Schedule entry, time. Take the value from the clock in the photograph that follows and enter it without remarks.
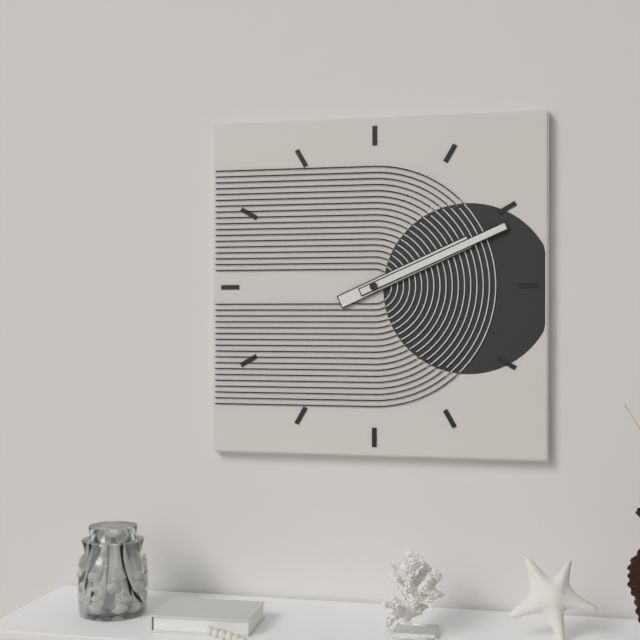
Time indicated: 2:11
